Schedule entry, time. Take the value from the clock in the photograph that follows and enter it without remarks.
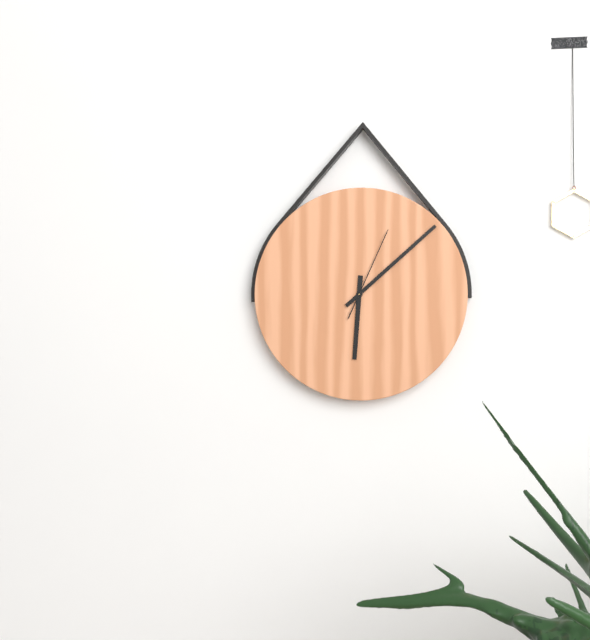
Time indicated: 6:08:04
